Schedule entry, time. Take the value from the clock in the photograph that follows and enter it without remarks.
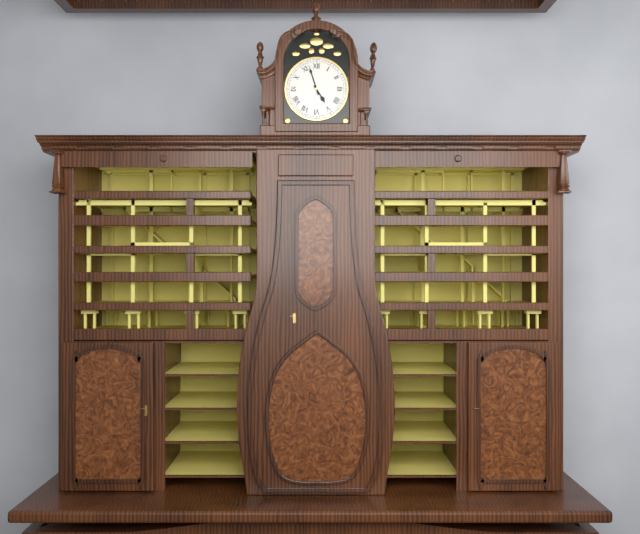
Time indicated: 4:57
